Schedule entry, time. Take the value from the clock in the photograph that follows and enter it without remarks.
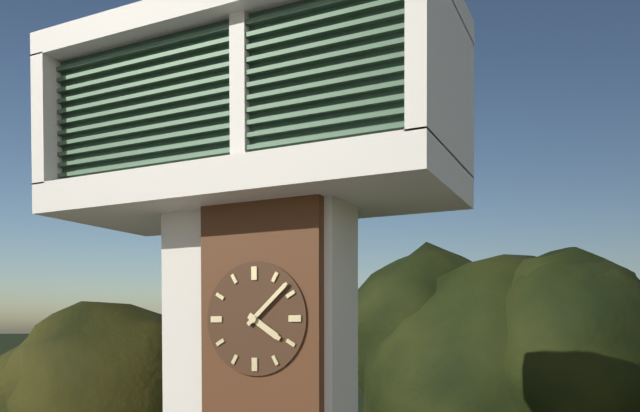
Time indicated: 4:08
